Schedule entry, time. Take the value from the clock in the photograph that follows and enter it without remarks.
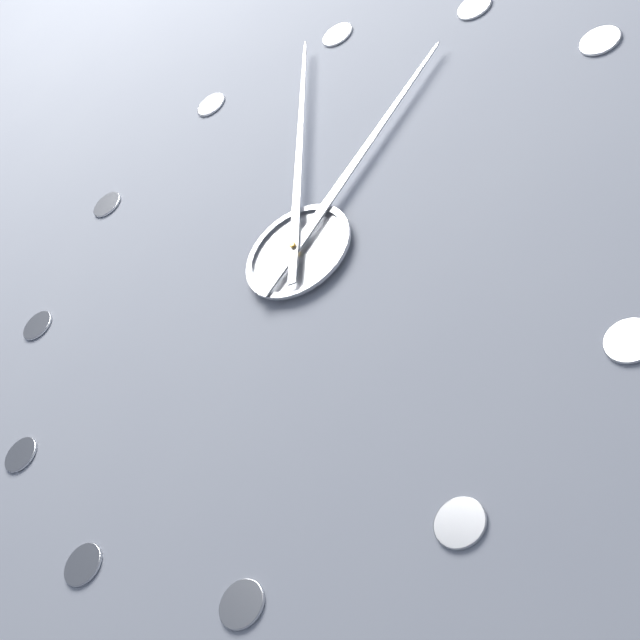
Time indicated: 12:59
